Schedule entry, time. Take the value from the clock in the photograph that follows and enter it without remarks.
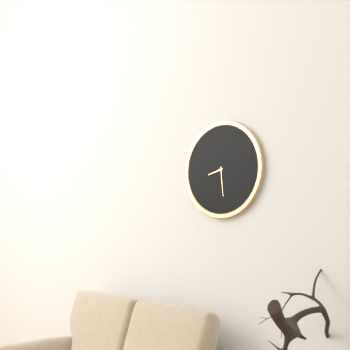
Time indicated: 8:29
